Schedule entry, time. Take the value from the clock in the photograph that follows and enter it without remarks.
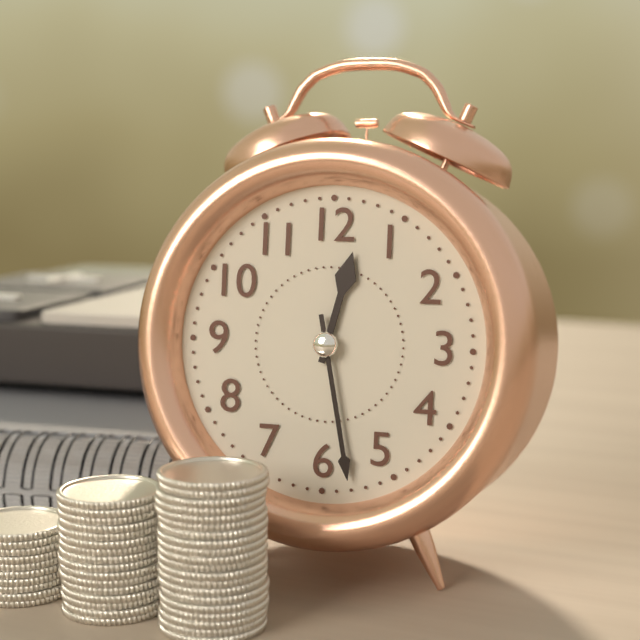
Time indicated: 12:28
